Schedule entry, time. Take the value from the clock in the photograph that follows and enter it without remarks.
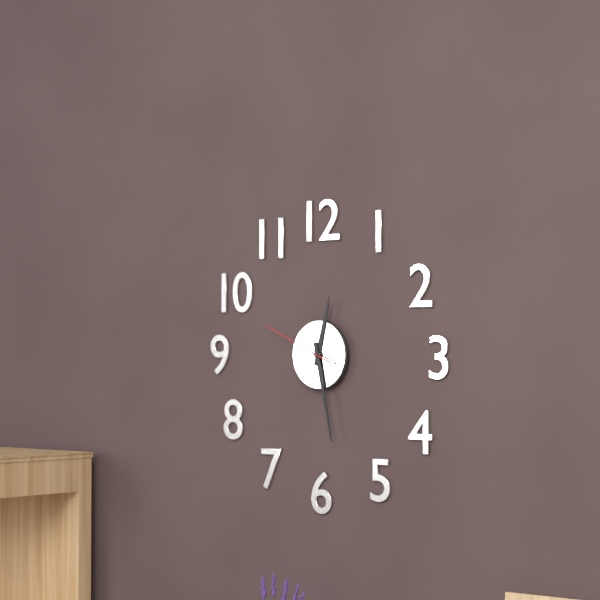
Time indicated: 12:28:49
